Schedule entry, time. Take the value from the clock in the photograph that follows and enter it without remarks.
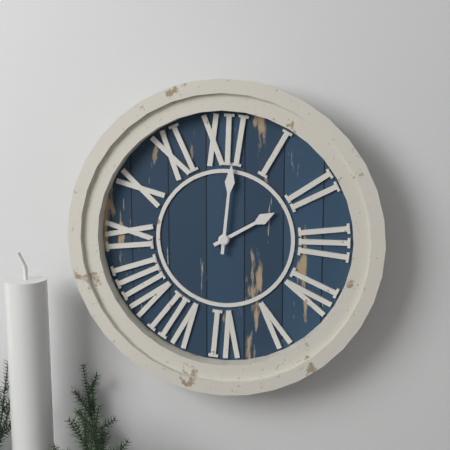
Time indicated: 2:01
